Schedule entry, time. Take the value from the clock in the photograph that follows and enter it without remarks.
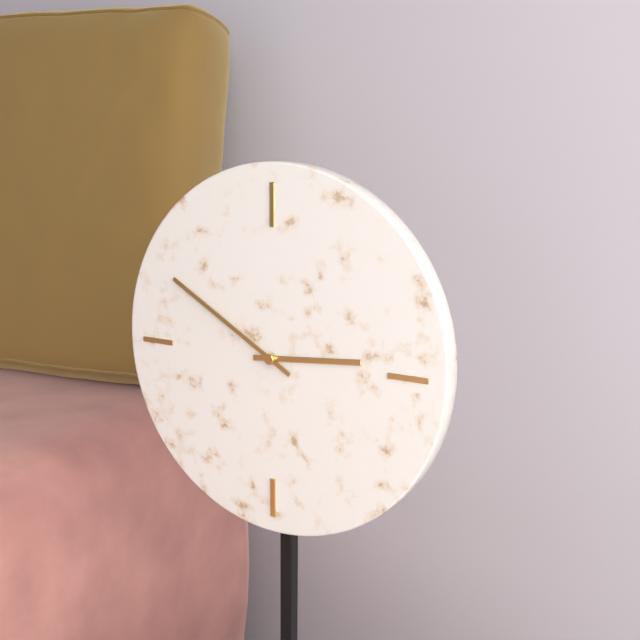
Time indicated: 2:50
